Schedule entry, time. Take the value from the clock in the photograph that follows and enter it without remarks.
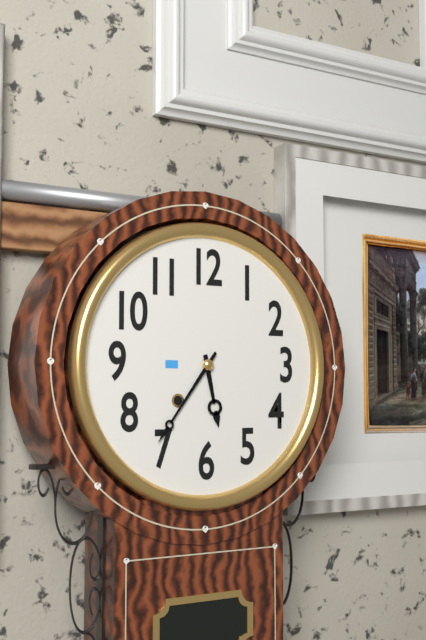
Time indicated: 5:36
